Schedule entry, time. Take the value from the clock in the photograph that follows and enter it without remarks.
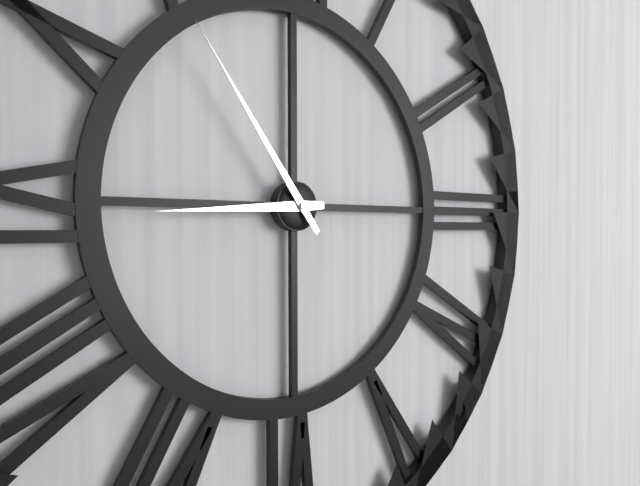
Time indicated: 8:54
